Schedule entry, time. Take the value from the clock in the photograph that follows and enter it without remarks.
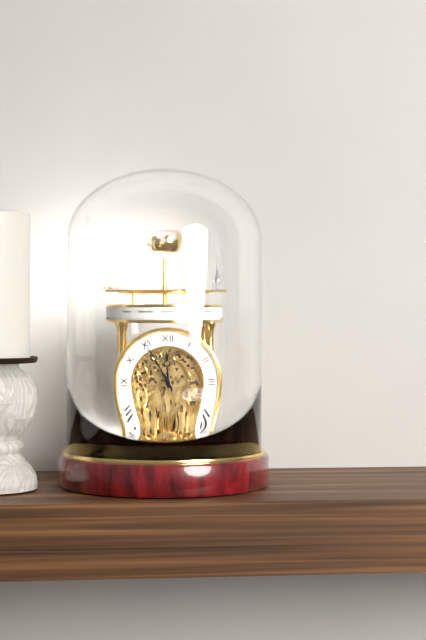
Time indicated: 11:55
